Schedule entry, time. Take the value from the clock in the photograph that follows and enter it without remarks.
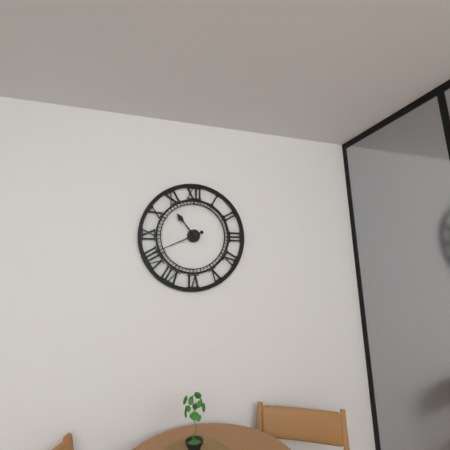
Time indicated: 10:41
